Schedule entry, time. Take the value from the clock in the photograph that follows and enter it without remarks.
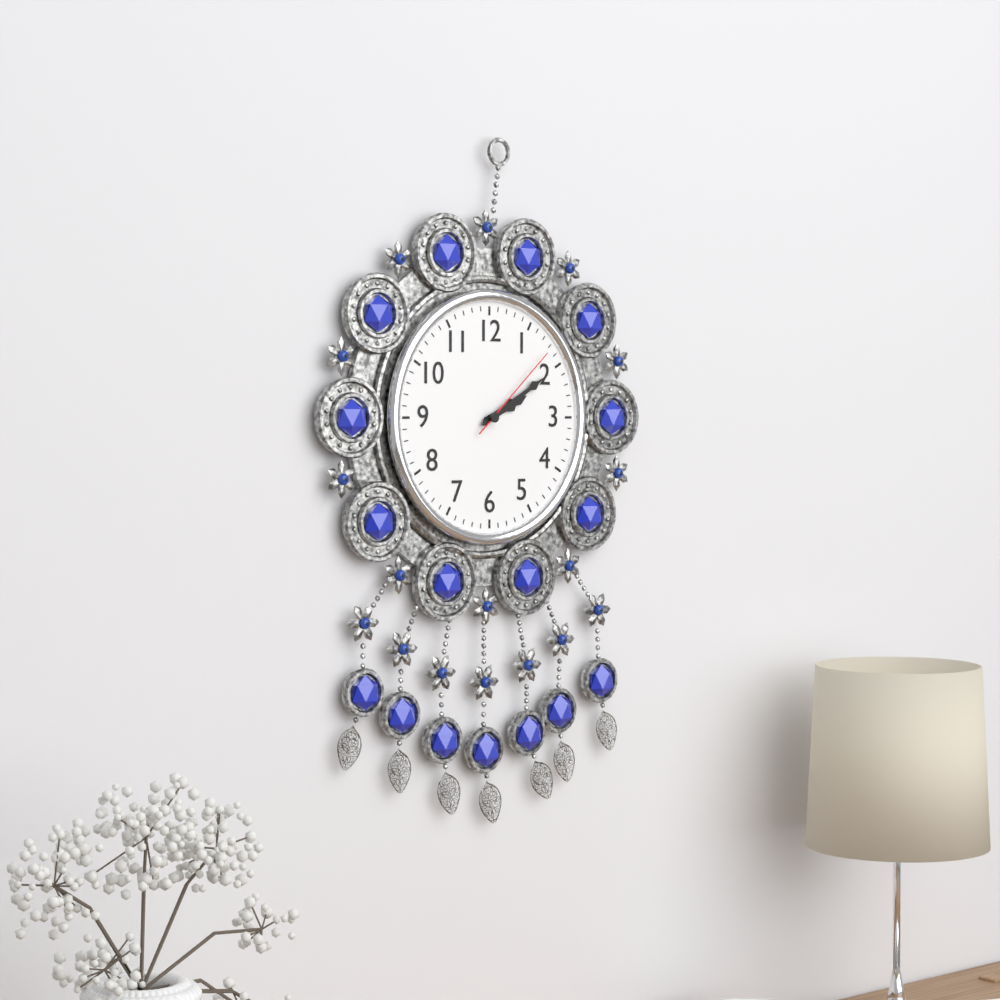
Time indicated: 2:10:08
